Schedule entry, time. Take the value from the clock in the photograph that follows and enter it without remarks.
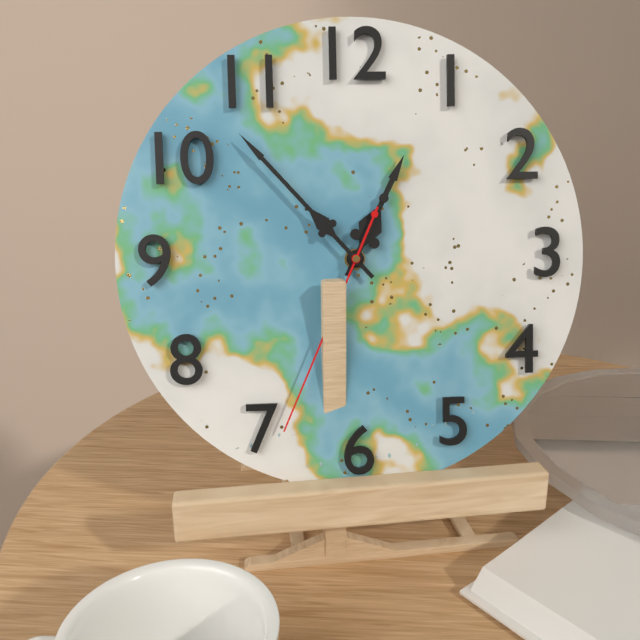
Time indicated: 12:53:34
